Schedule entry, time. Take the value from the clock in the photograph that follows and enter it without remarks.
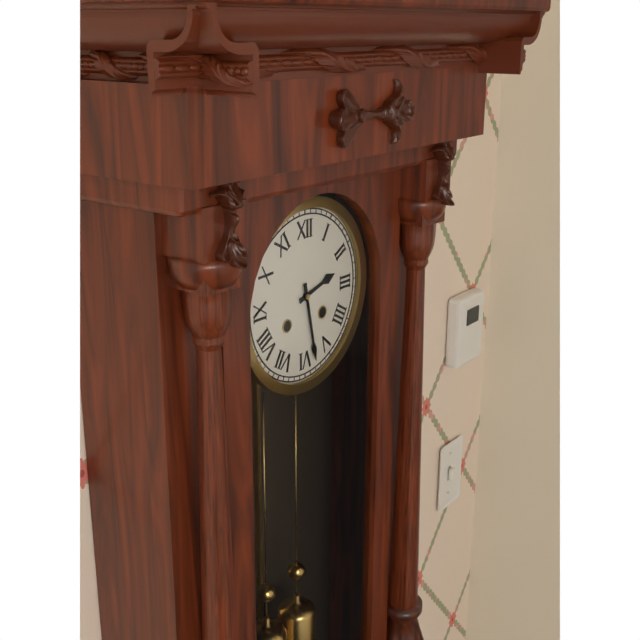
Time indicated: 2:28
